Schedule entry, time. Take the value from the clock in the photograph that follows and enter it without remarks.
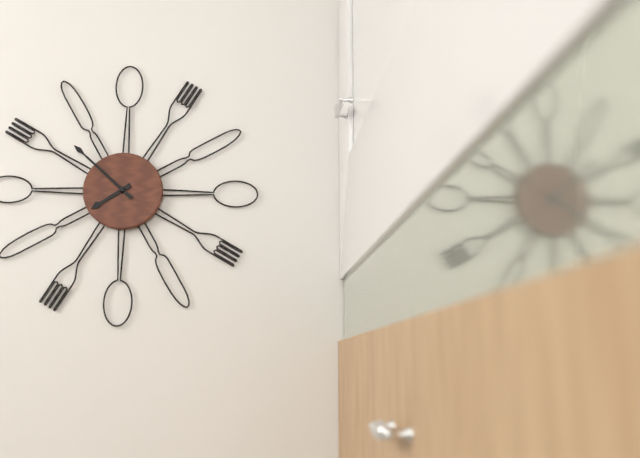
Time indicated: 7:52
